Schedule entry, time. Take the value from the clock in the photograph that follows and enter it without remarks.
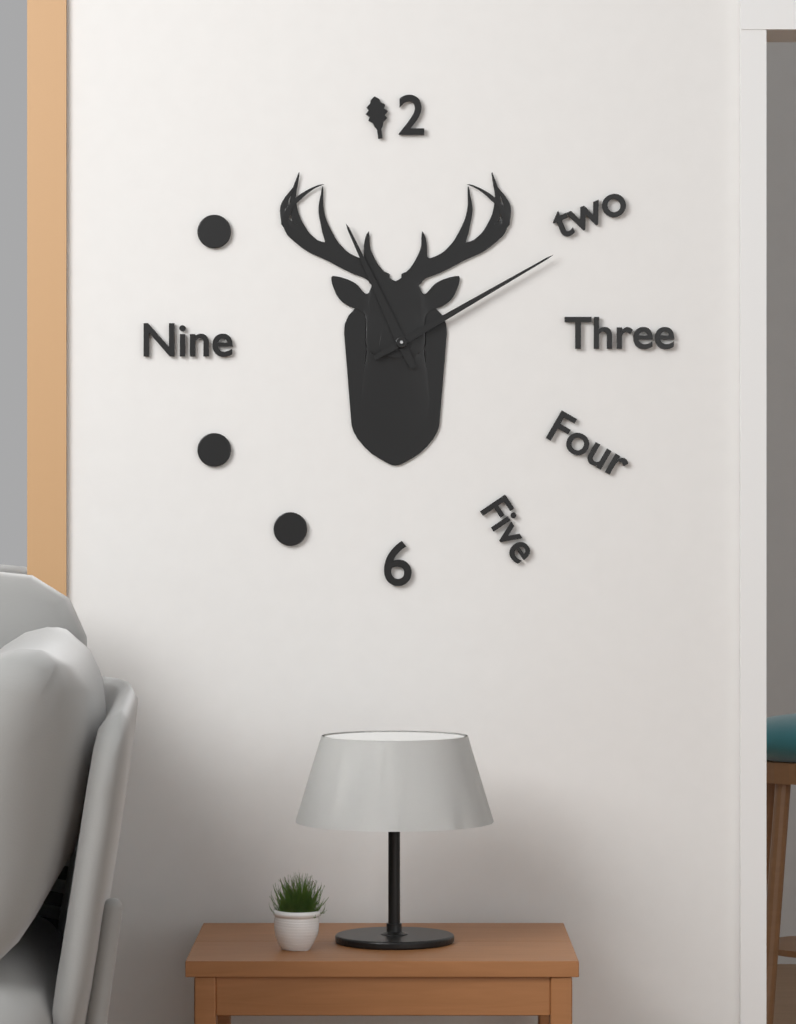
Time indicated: 11:10
